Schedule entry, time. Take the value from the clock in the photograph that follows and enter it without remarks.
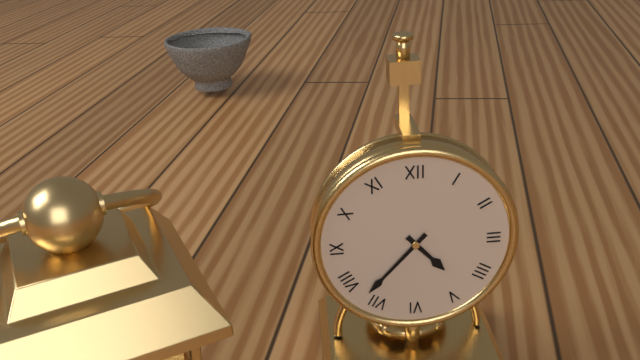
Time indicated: 4:37
